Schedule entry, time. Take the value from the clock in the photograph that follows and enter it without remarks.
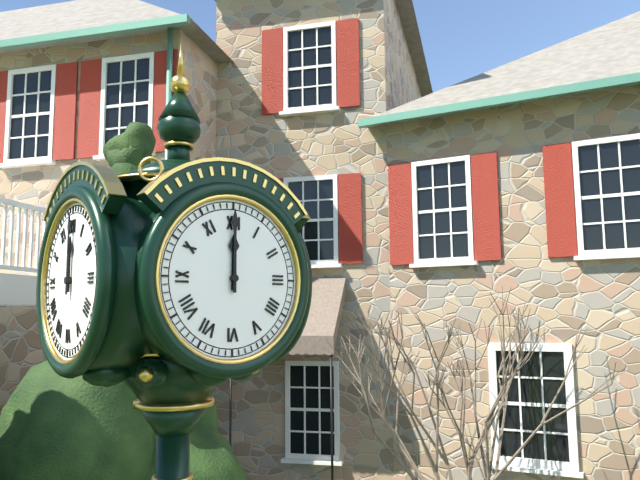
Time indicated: 12:00
